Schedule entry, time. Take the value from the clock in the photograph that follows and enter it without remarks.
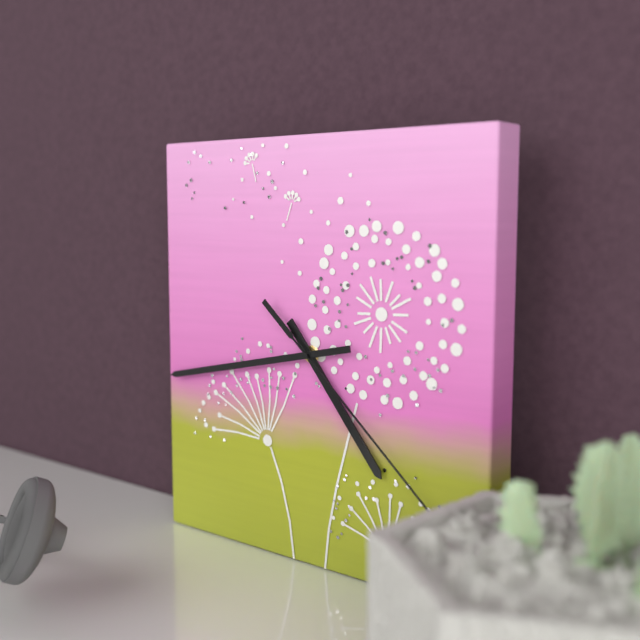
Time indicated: 4:43:22
